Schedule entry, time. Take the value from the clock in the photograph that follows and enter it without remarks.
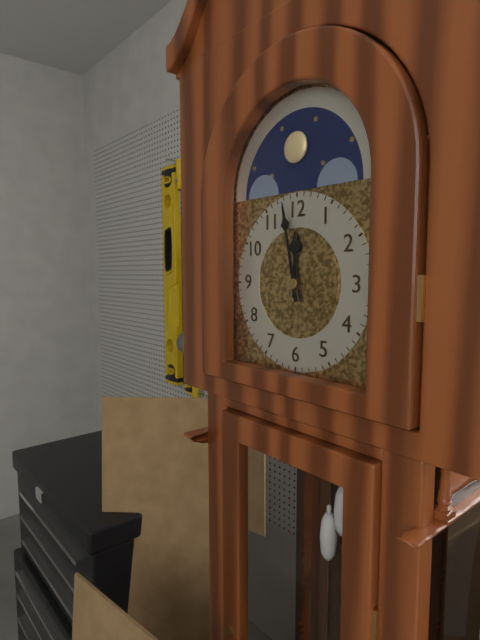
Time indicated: 11:58
